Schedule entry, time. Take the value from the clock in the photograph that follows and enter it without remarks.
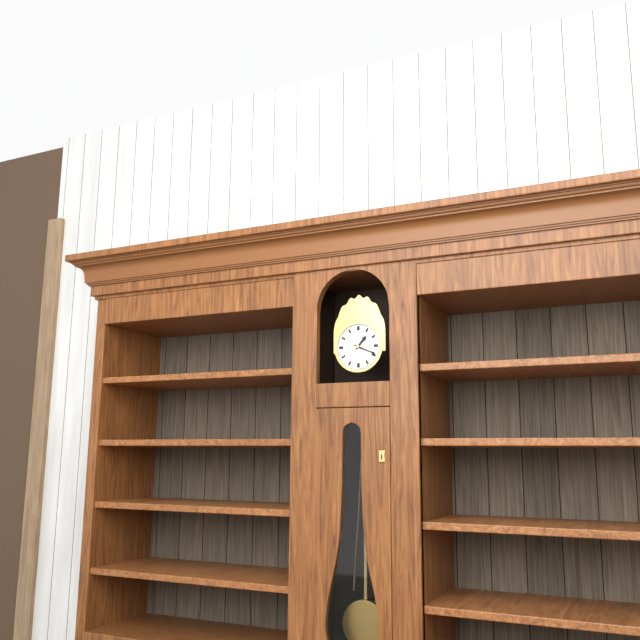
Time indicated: 1:19
